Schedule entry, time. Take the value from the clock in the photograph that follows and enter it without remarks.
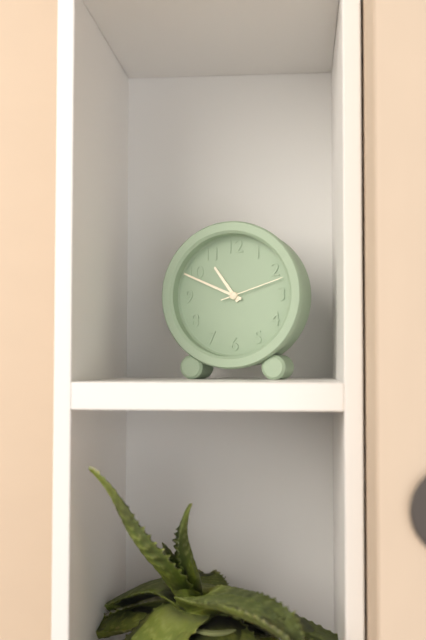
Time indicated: 10:49:12
